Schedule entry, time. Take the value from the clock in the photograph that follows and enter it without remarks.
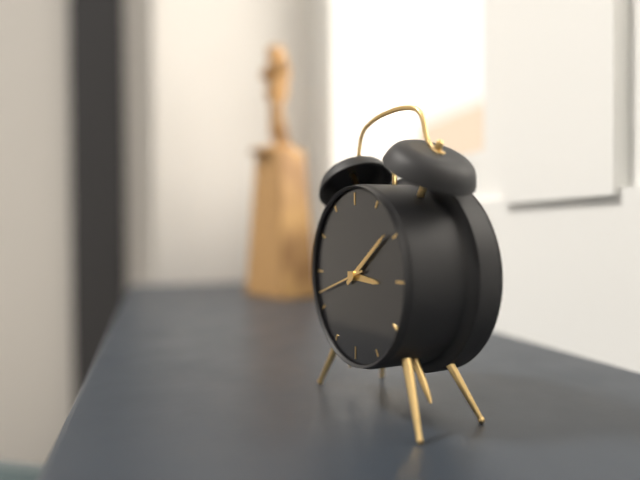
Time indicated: 3:09
